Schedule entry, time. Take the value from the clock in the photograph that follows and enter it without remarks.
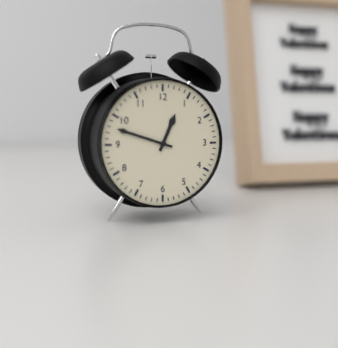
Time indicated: 12:48
